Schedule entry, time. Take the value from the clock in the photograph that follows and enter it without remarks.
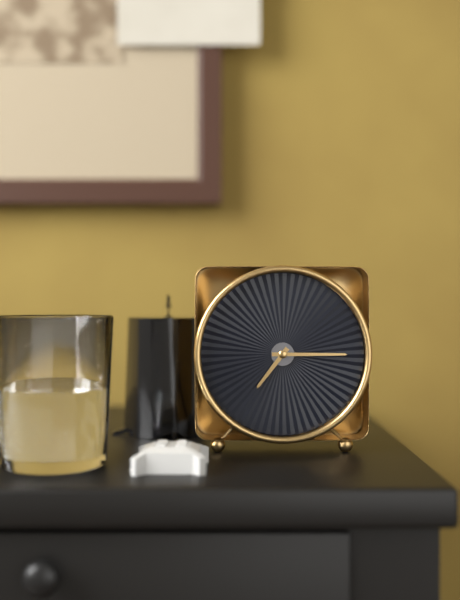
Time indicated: 7:15
